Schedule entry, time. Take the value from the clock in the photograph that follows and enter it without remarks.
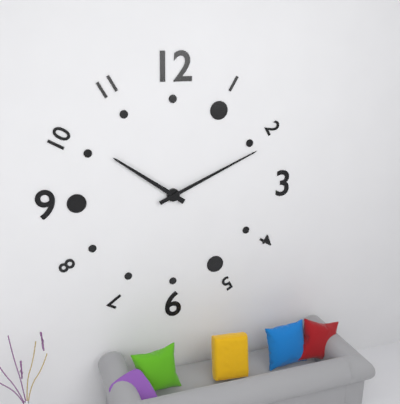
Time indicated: 10:11
